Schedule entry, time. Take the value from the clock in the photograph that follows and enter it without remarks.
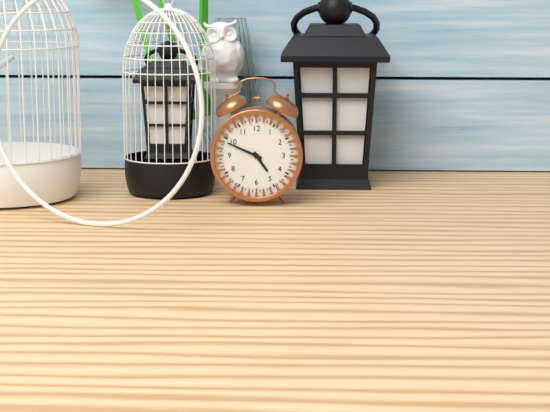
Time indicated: 4:49
